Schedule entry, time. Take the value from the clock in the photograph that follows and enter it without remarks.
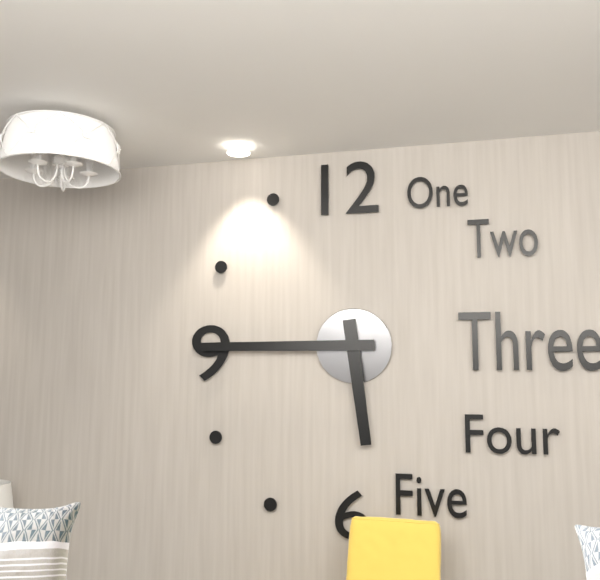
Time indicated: 5:45
